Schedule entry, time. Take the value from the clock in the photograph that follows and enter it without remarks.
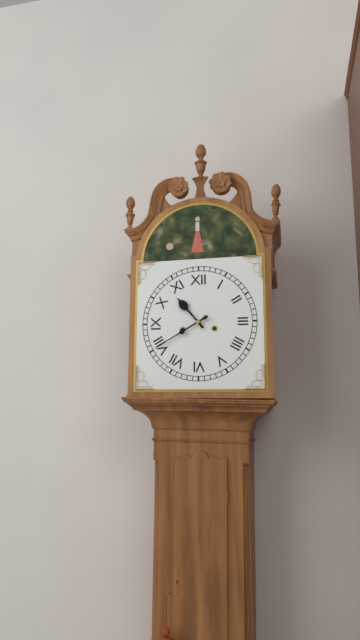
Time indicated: 10:40
